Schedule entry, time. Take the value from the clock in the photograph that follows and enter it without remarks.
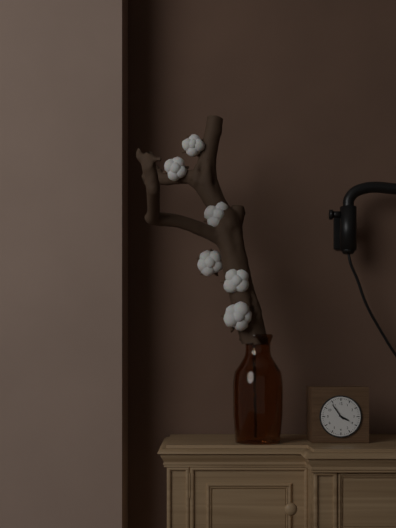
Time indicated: 3:54
